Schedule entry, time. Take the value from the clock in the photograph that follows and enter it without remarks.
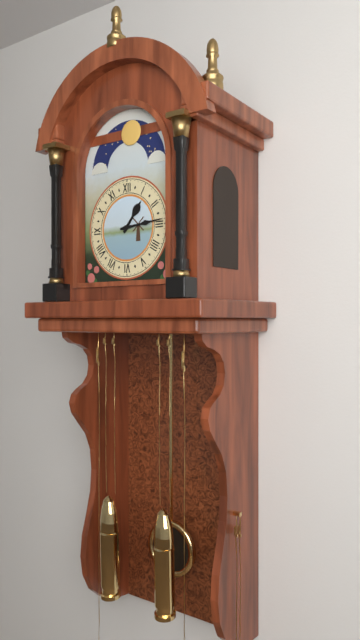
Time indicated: 1:14
